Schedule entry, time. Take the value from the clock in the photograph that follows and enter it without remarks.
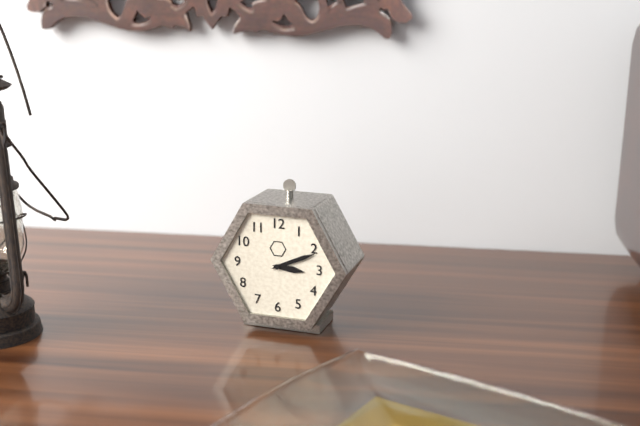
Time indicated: 3:11
